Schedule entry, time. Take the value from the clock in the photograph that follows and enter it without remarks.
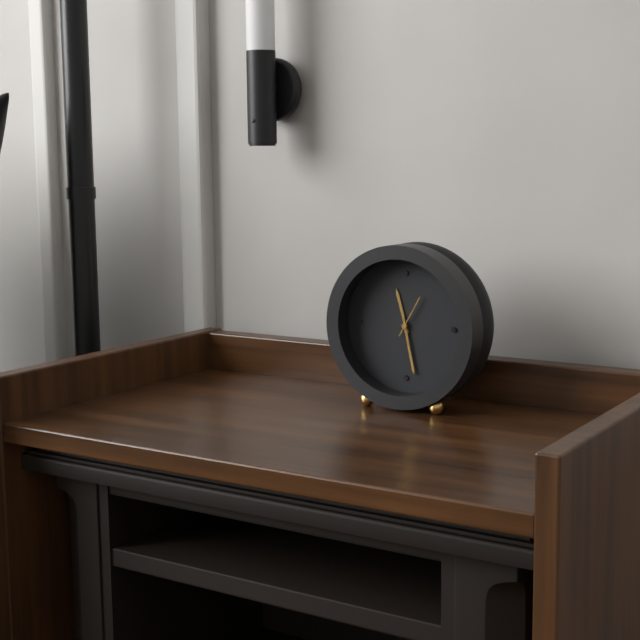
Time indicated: 11:28
